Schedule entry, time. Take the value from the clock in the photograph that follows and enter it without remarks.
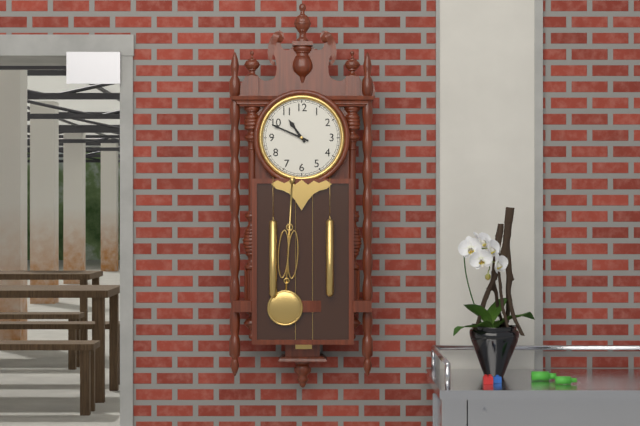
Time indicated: 10:49
